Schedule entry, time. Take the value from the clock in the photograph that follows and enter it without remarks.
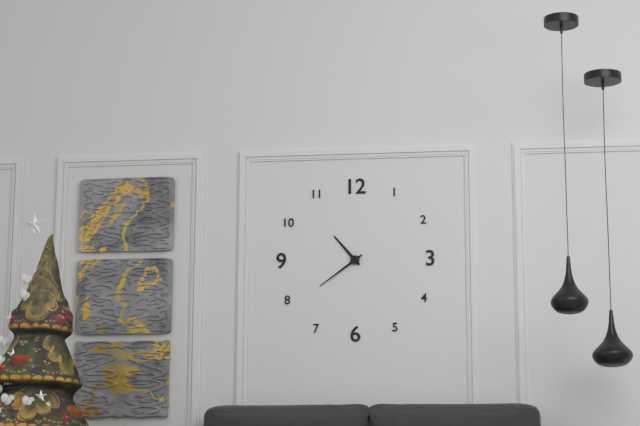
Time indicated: 10:39
